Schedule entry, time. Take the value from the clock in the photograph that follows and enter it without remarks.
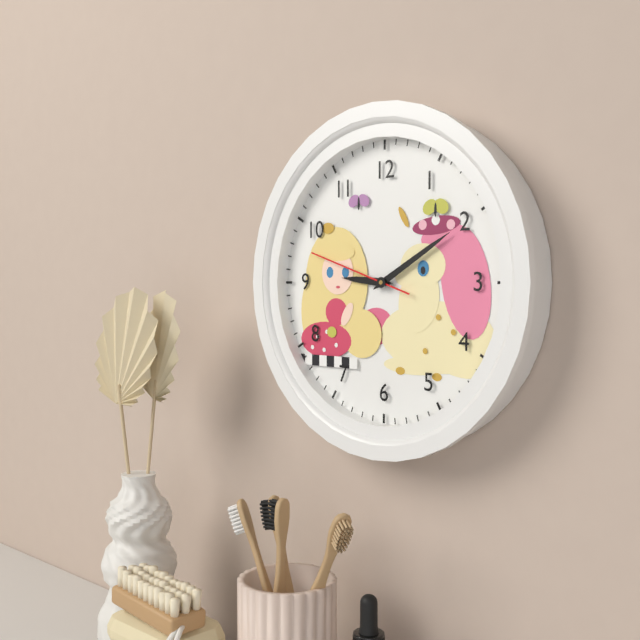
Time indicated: 9:10:48
